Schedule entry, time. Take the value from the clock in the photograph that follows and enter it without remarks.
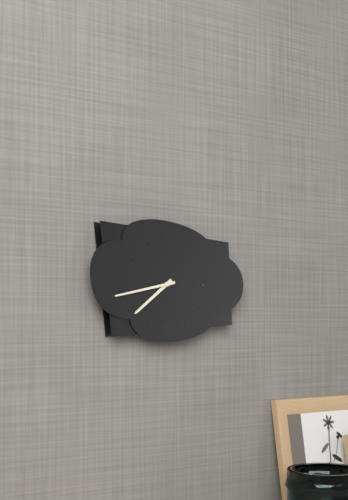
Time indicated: 7:43
